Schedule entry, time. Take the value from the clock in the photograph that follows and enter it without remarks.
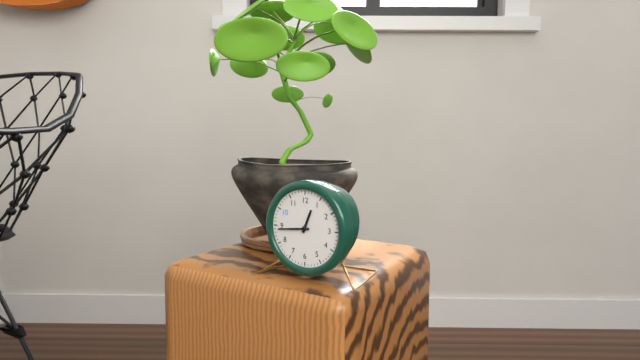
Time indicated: 12:44
